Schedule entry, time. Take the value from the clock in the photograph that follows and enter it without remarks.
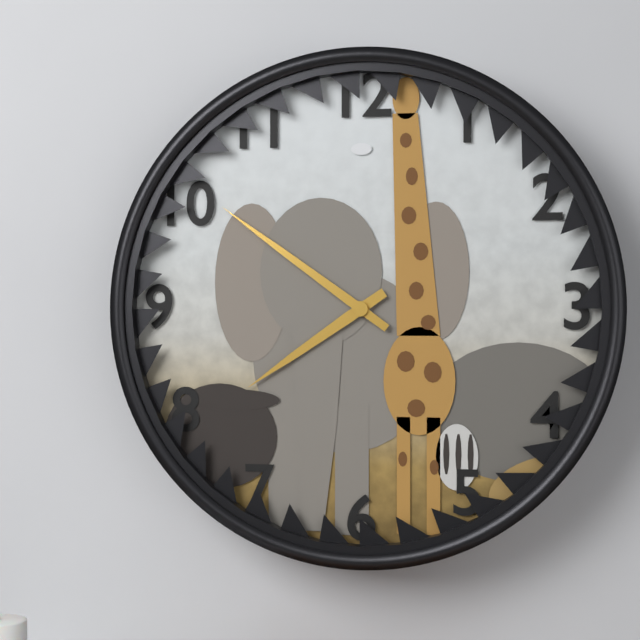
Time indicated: 7:51
